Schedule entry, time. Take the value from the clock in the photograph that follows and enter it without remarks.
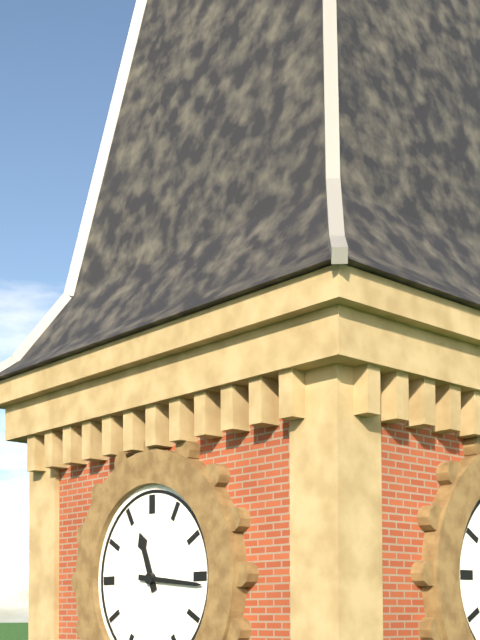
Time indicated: 11:16
